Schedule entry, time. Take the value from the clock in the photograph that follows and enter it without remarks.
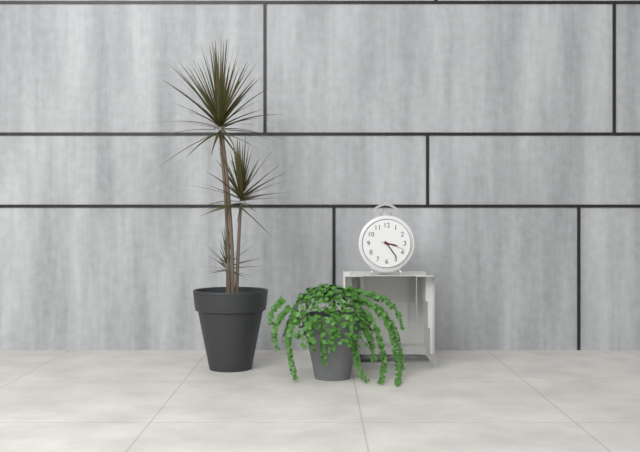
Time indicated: 3:24
